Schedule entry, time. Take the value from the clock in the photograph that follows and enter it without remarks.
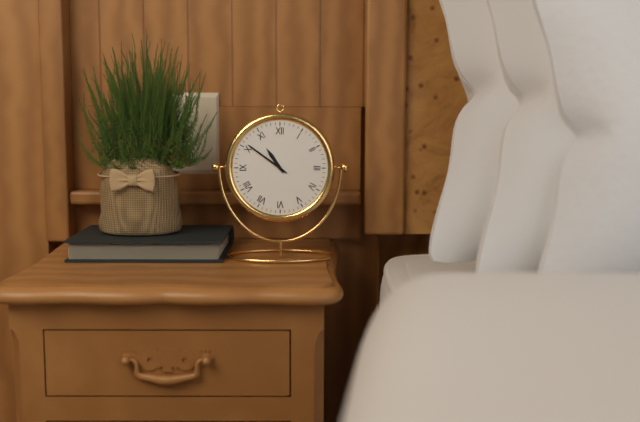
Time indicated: 10:51
